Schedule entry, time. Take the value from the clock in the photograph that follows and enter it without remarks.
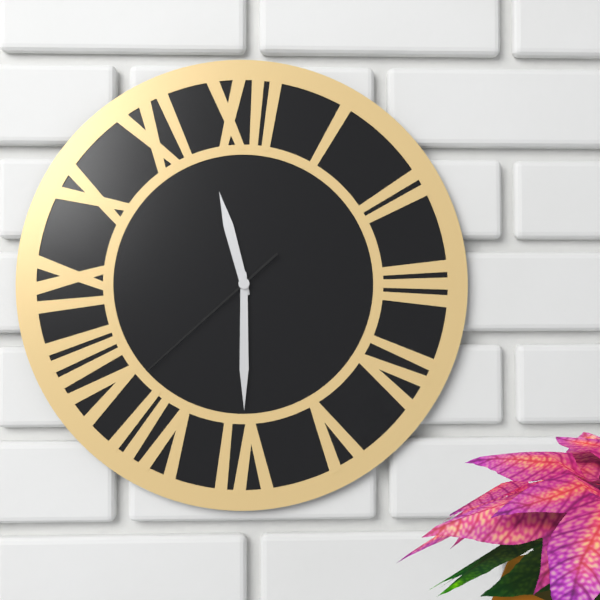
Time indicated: 11:30:38
